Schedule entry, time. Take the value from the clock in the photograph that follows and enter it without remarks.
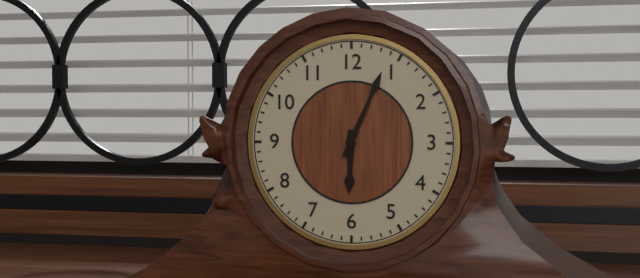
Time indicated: 6:04
